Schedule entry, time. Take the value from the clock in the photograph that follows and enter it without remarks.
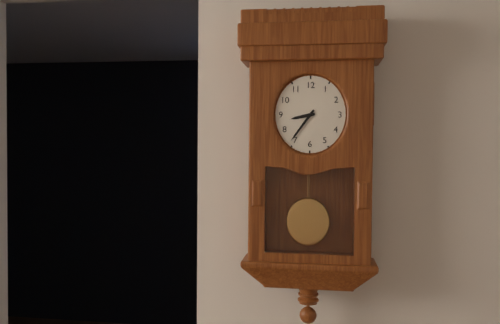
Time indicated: 8:36
